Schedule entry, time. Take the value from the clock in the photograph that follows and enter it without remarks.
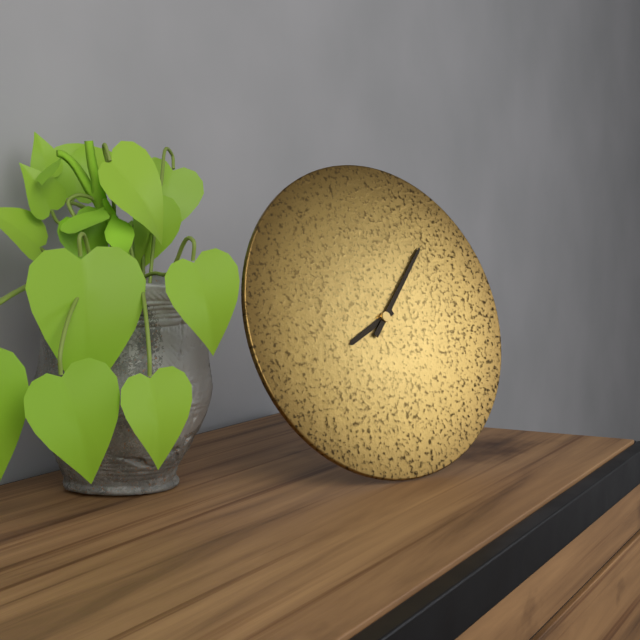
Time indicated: 8:07
